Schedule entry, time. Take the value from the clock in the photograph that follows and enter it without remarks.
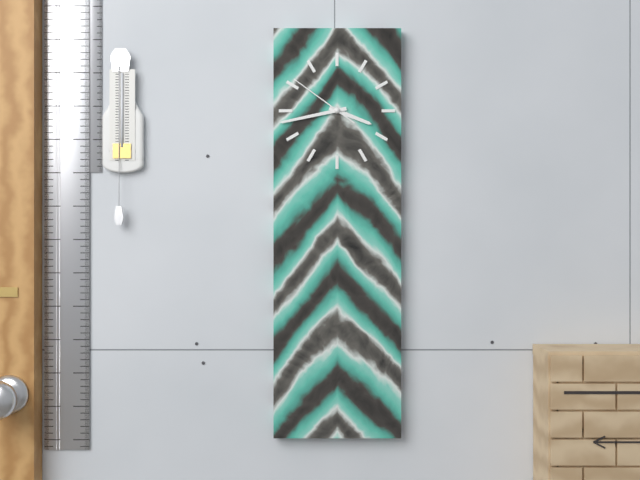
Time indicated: 3:43:51
